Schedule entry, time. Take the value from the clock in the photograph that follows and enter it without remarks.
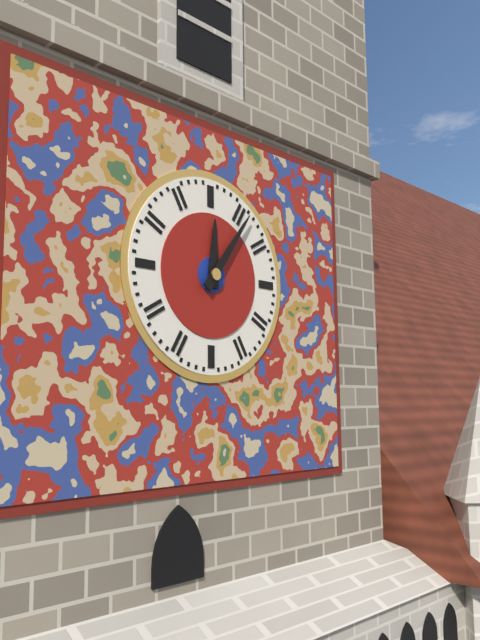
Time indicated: 12:06
